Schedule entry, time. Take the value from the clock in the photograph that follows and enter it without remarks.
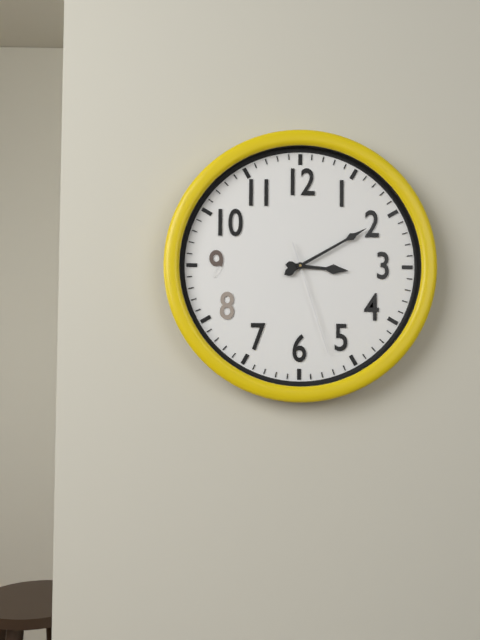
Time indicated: 3:10:27
